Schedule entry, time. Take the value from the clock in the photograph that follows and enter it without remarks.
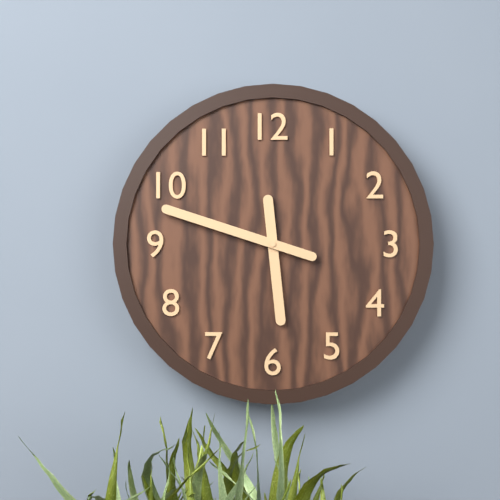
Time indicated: 5:48
